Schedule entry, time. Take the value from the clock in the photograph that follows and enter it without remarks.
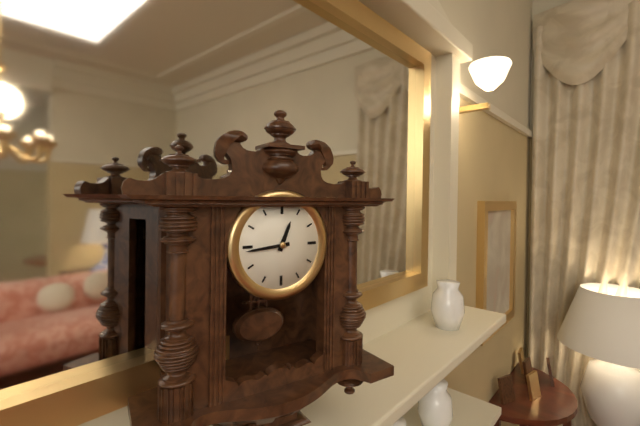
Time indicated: 12:44
